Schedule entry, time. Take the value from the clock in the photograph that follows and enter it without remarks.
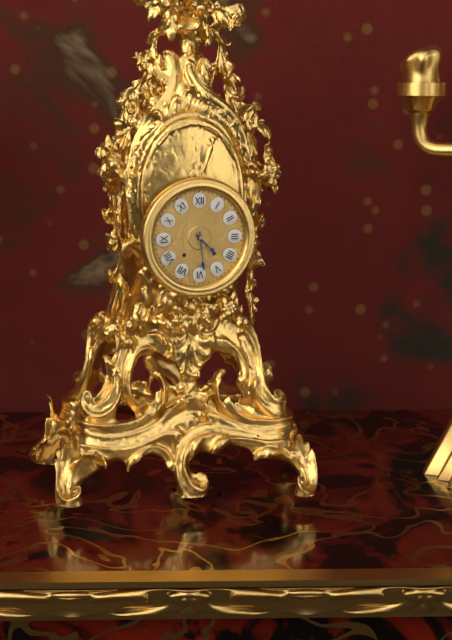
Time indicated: 4:29
